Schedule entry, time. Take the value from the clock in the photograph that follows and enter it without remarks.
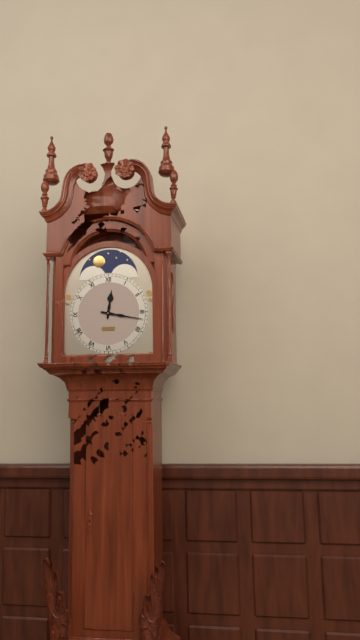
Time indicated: 12:17
